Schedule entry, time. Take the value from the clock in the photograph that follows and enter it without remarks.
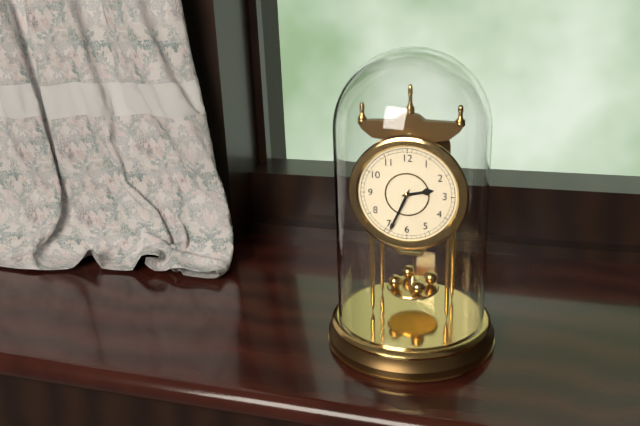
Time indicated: 2:34
